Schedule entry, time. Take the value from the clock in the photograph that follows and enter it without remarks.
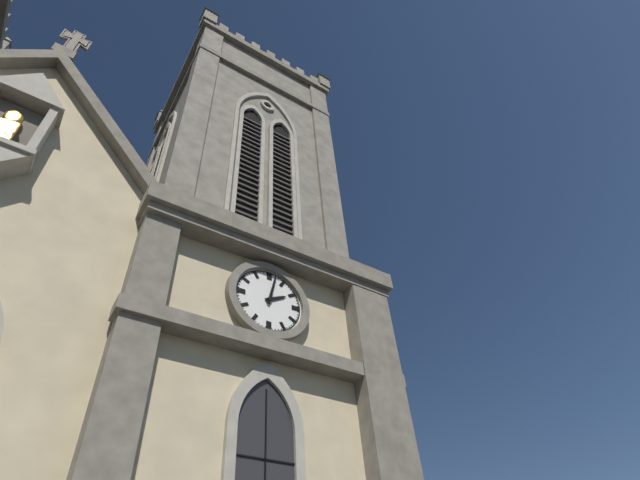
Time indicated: 2:02
